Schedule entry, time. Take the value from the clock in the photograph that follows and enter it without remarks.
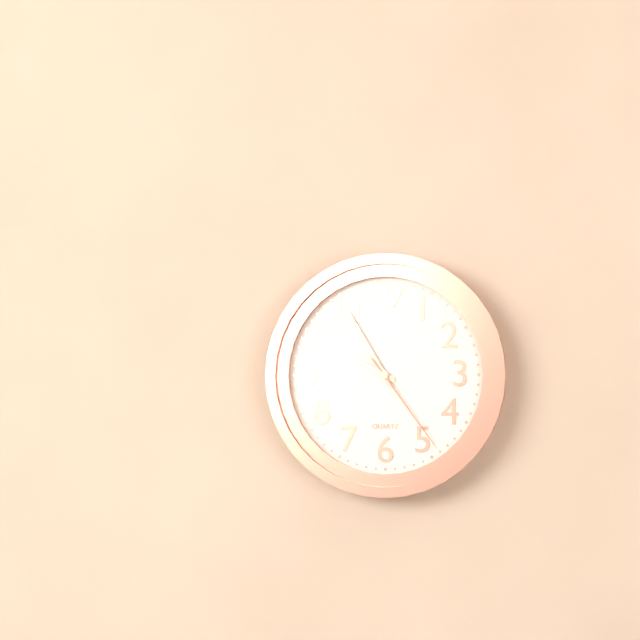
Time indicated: 9:55:24
